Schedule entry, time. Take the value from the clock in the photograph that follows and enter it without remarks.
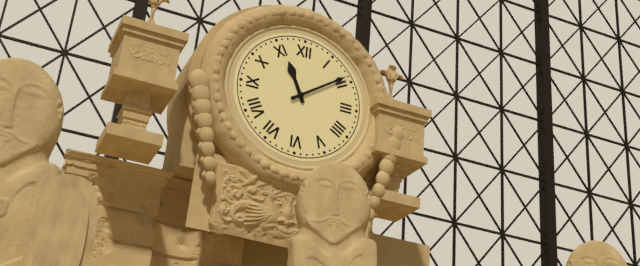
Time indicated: 11:09
